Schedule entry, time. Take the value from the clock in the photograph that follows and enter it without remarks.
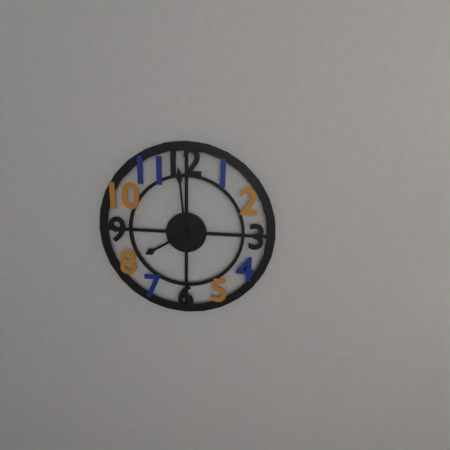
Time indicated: 7:59
